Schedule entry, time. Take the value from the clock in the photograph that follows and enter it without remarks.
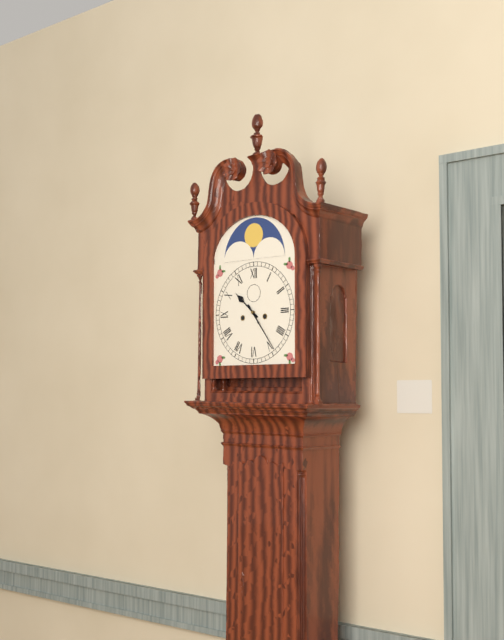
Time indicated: 10:24
